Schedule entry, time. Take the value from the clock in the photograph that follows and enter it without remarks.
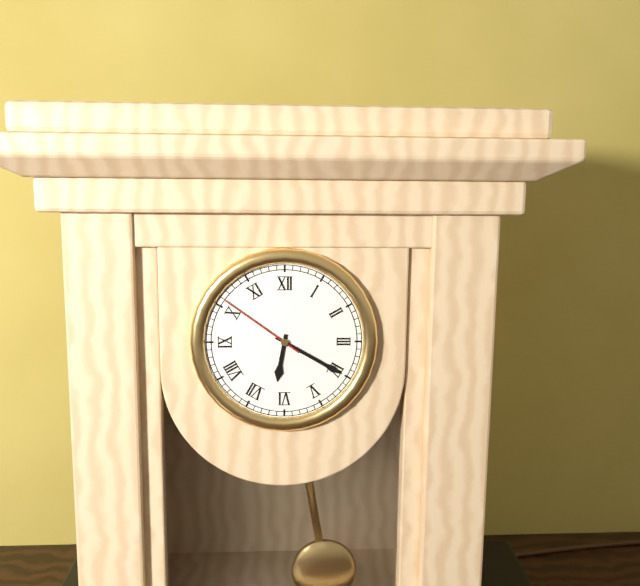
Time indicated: 6:20:51
